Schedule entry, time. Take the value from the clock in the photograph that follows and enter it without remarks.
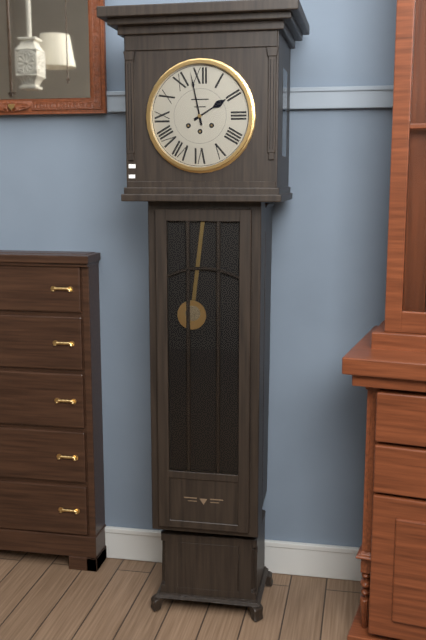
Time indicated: 1:58
